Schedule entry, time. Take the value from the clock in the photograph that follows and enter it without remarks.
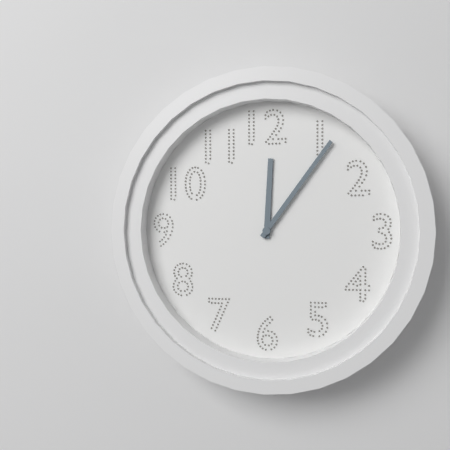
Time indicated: 12:06
